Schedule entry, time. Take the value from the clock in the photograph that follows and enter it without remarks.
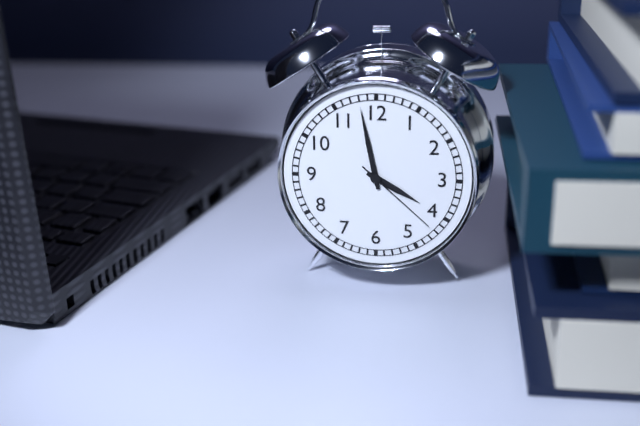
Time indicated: 3:58:22
